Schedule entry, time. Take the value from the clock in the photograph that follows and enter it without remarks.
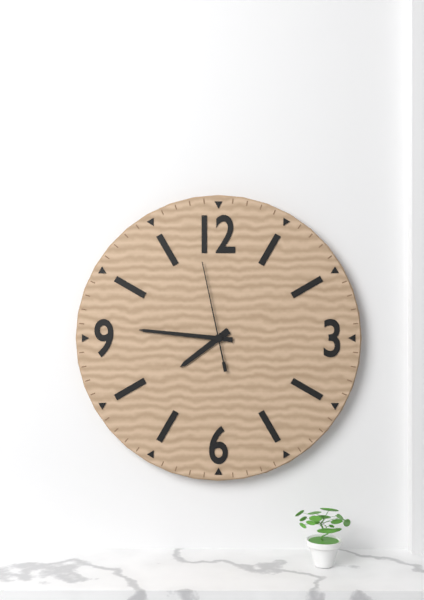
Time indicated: 7:46:58
